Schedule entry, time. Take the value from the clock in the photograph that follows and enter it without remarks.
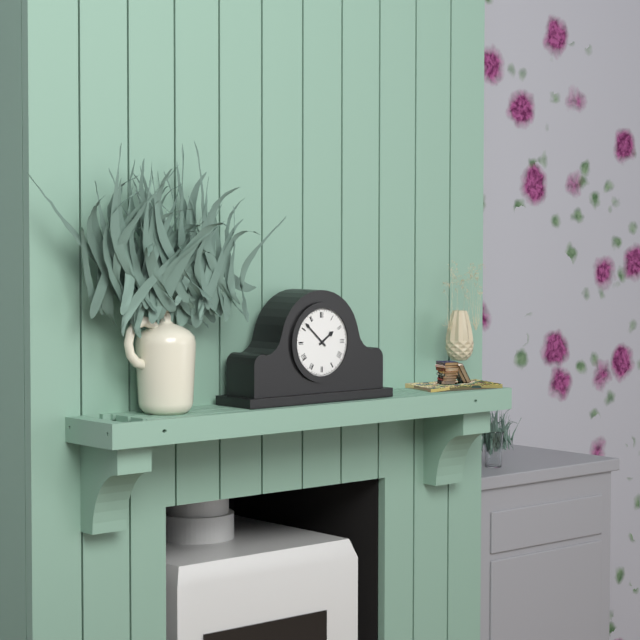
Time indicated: 1:52
